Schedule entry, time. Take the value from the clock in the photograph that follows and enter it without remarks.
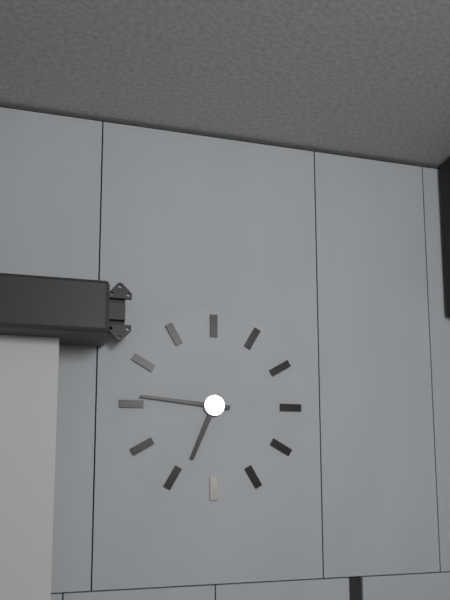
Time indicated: 6:46
